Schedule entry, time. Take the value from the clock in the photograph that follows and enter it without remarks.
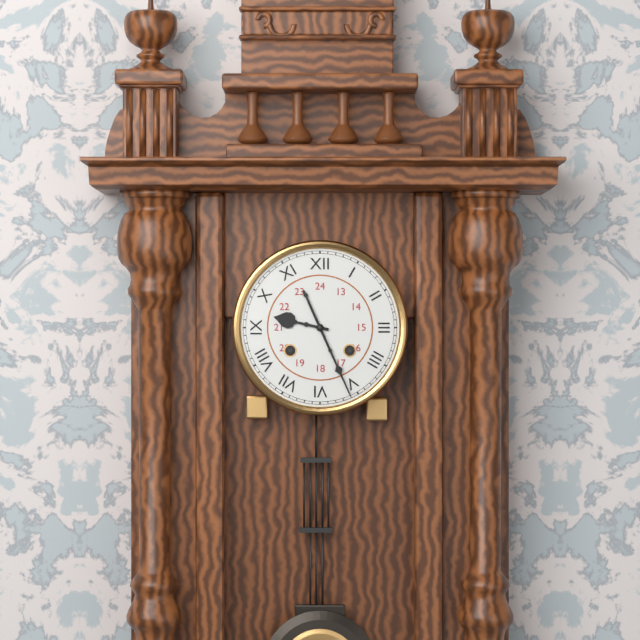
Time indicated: 9:26
